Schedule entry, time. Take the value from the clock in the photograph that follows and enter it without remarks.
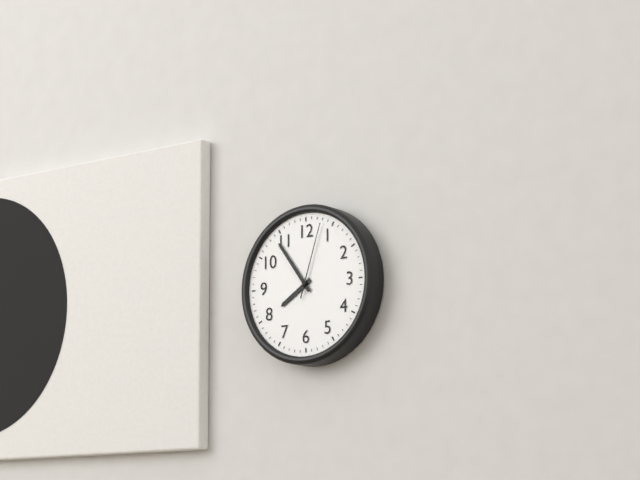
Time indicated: 7:54:03
